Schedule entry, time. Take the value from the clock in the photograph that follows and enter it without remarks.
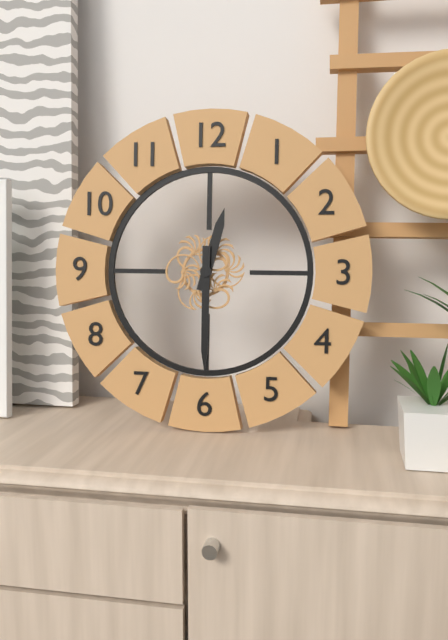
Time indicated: 12:30
